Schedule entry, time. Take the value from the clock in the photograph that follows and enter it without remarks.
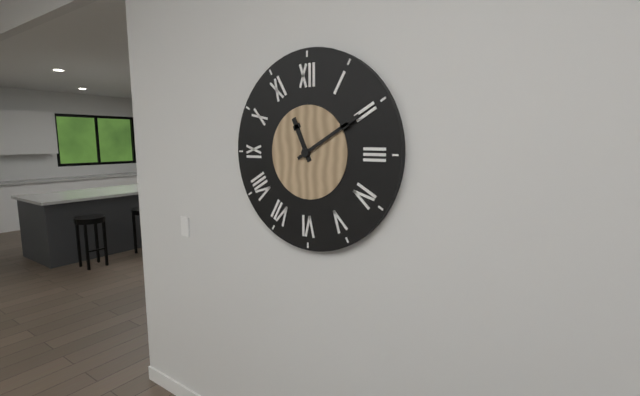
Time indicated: 11:10
